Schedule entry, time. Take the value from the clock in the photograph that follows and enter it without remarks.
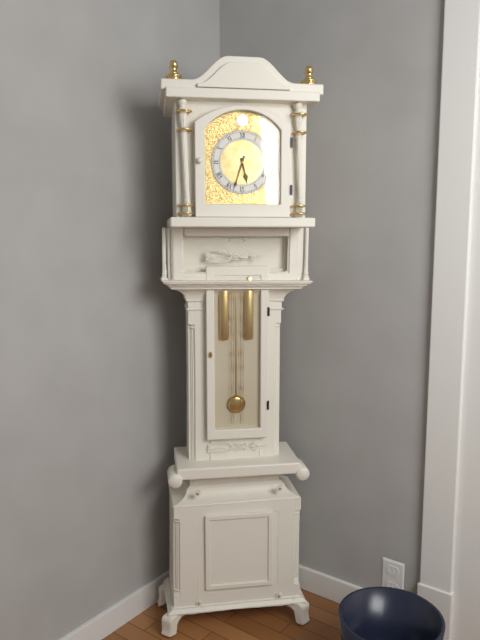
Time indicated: 5:33
